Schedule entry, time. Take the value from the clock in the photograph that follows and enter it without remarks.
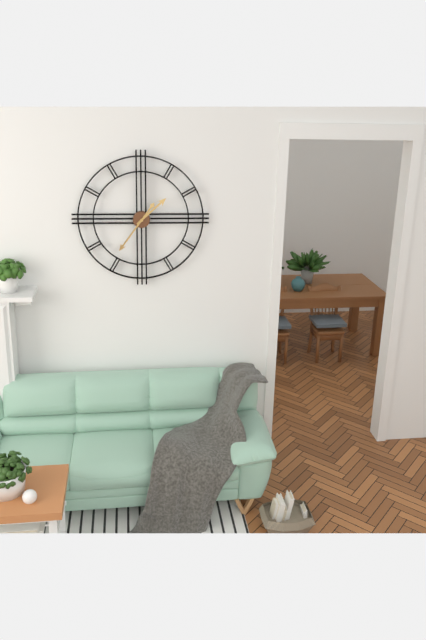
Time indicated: 1:36
